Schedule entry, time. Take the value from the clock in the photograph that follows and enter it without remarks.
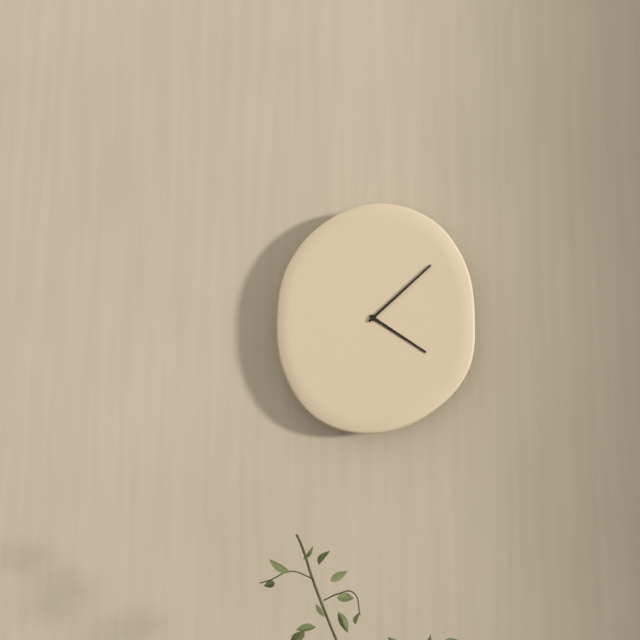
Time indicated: 4:08
